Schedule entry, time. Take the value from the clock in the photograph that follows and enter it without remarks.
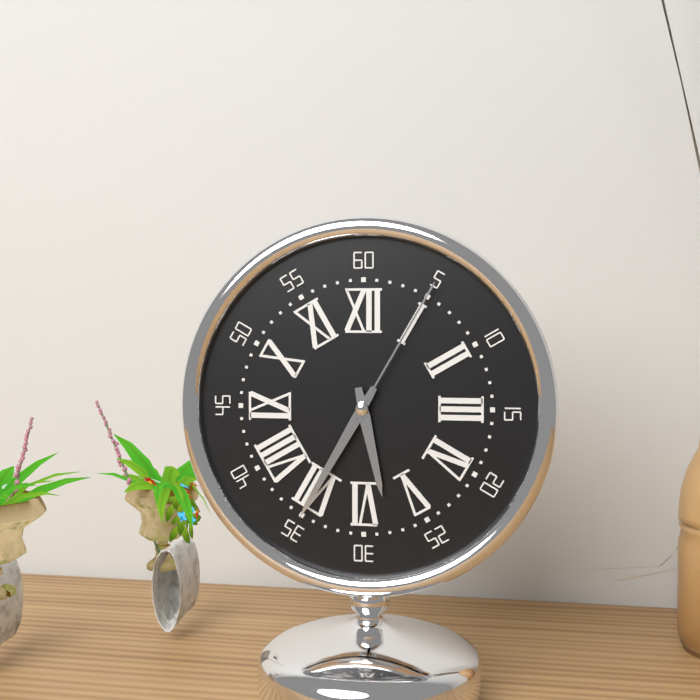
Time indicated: 5:35:05
